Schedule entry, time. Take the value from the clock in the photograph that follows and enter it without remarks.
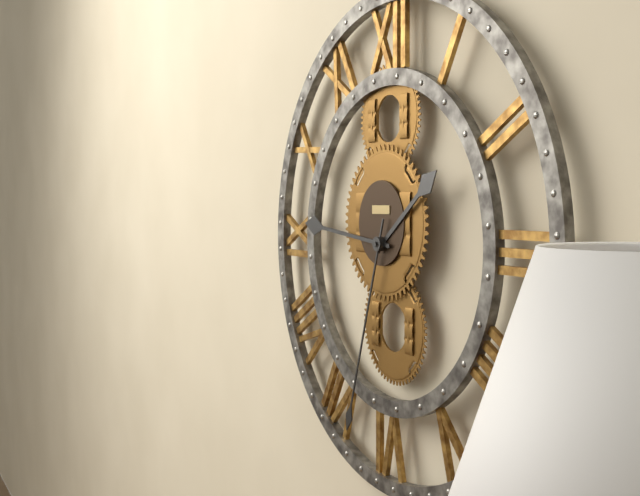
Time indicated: 1:46:33
